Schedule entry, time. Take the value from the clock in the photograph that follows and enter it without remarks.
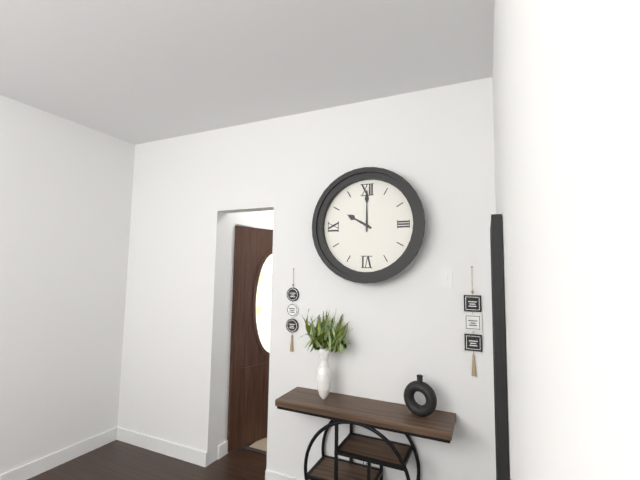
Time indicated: 10:00
